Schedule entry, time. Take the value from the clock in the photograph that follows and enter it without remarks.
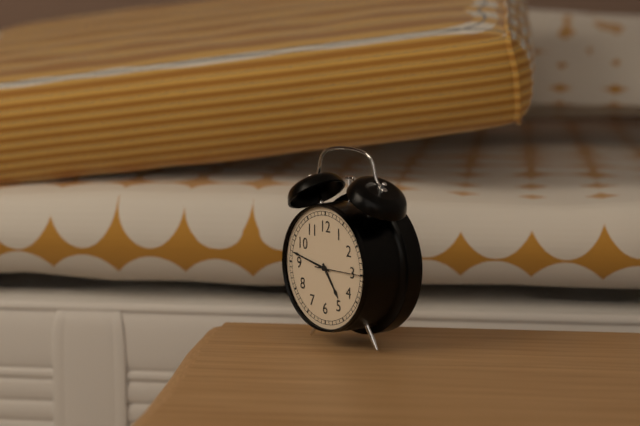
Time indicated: 4:47
